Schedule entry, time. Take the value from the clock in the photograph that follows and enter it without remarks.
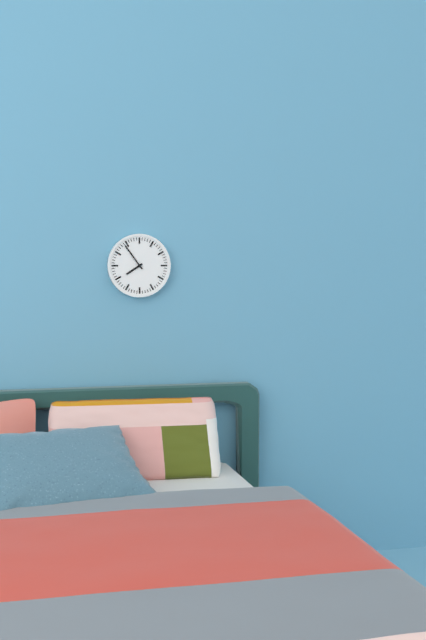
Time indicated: 7:54
